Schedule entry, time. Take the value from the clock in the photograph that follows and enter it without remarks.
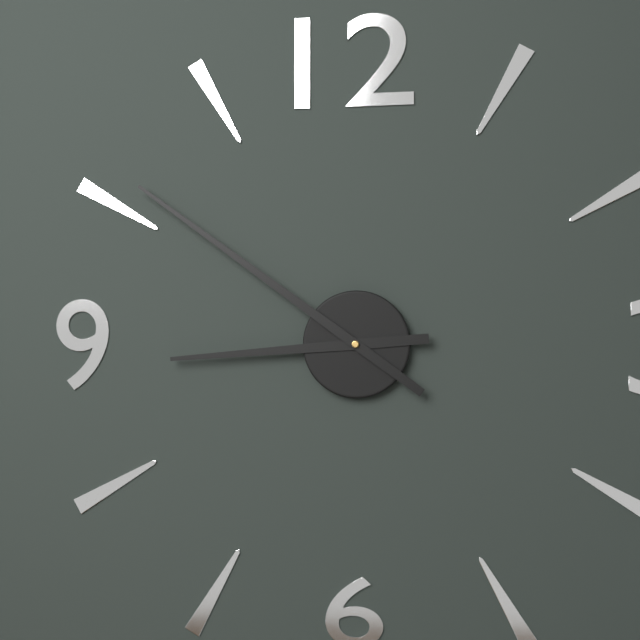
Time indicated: 8:51
